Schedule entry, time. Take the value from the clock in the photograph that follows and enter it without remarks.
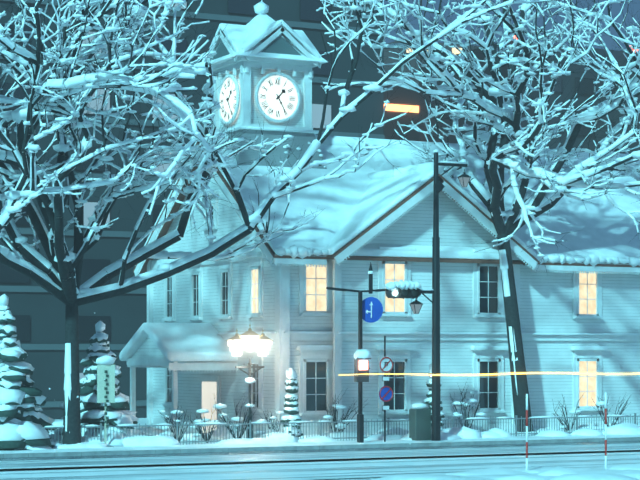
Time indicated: 1:25
